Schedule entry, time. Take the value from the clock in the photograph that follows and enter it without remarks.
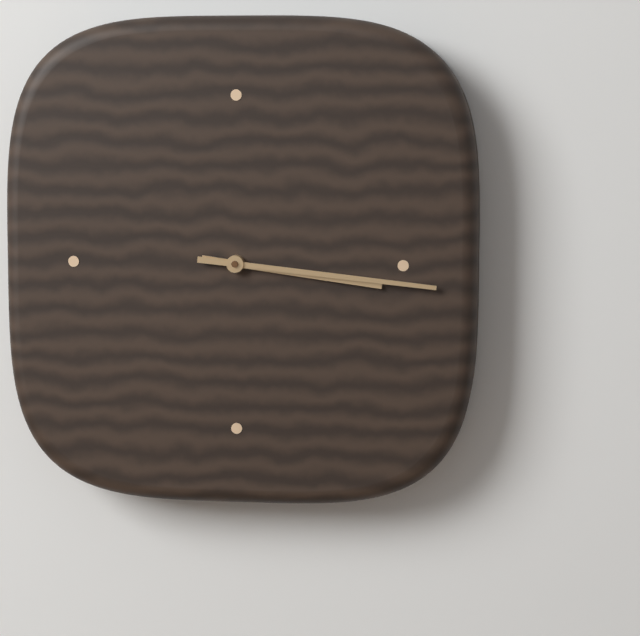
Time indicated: 3:16
